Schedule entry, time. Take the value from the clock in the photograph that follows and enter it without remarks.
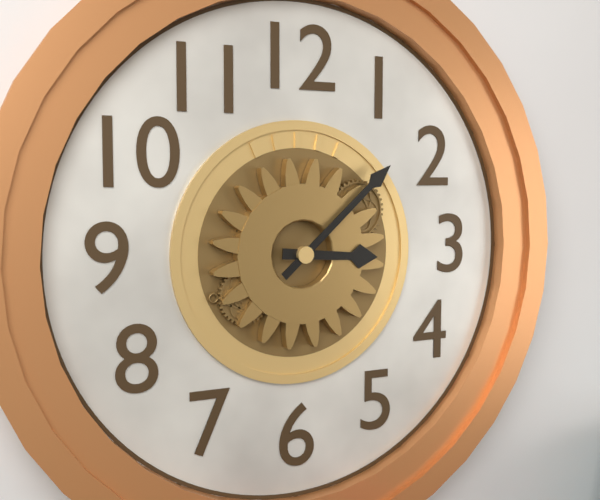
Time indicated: 3:08
